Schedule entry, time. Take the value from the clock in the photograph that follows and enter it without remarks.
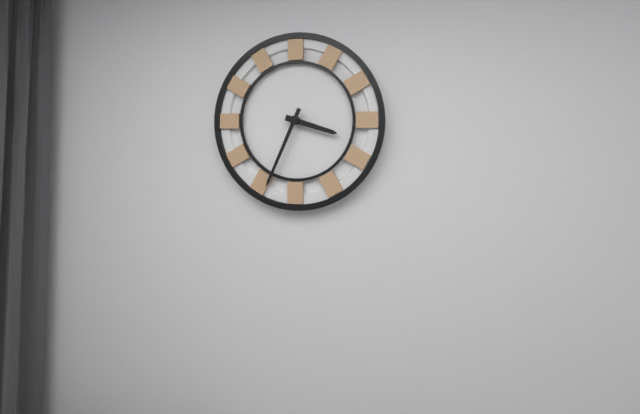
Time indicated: 3:34
